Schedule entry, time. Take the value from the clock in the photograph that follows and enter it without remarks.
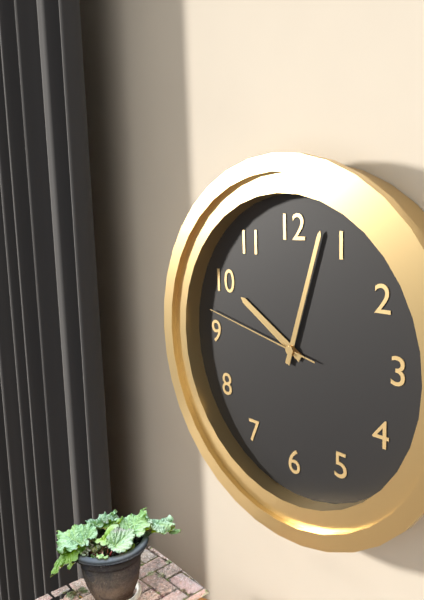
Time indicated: 10:03:47
